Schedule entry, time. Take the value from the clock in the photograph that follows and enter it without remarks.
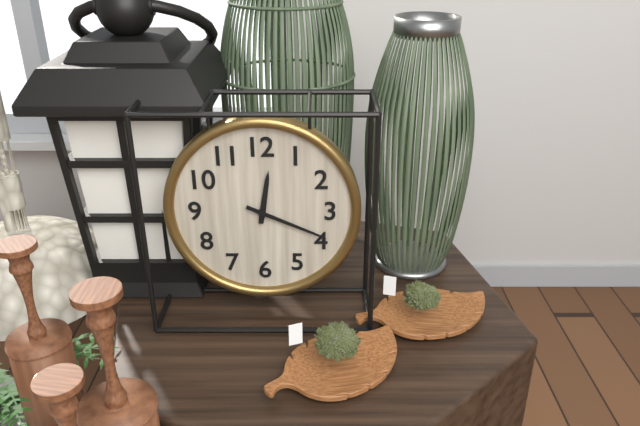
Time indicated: 12:19
